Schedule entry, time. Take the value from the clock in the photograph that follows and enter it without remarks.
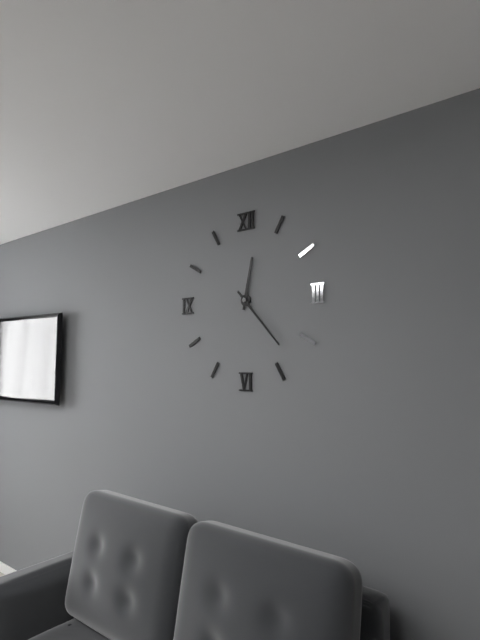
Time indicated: 12:23
